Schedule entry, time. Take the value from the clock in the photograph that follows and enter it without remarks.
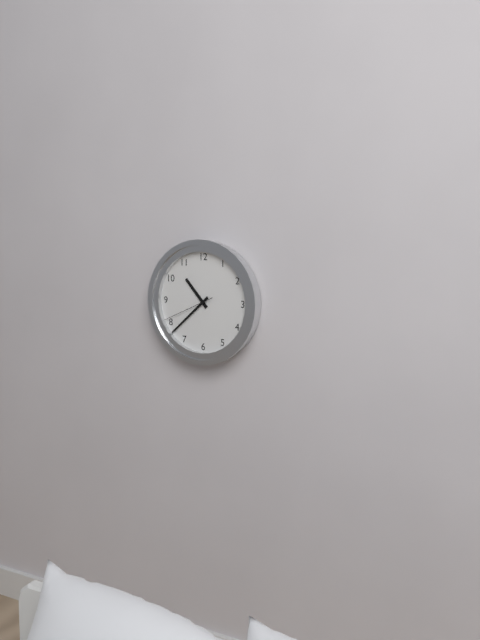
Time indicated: 10:38:41
